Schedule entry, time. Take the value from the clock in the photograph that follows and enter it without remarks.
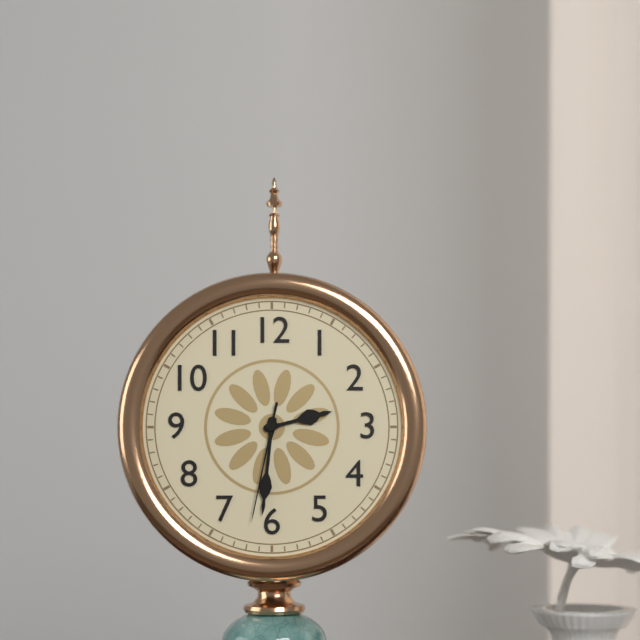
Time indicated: 2:31:32
